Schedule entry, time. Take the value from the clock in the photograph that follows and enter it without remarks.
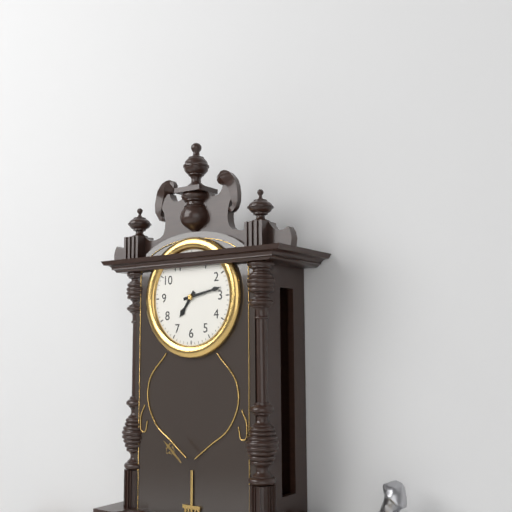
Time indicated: 7:13
